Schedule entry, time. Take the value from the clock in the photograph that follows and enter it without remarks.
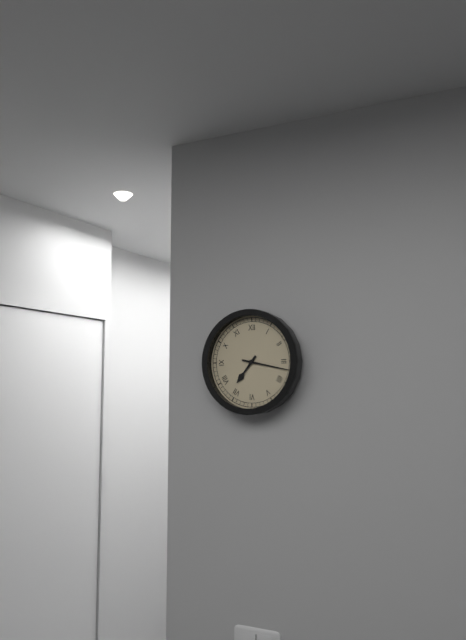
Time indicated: 7:17
